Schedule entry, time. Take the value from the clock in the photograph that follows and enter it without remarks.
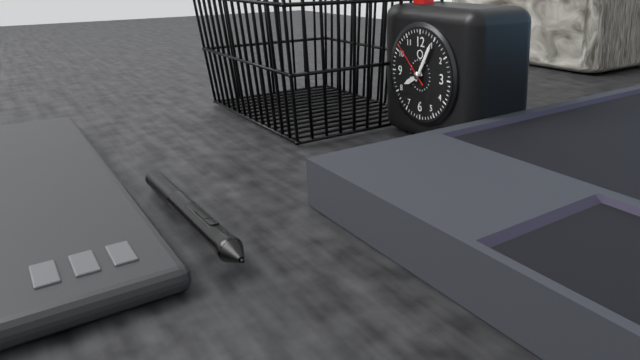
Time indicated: 8:05
